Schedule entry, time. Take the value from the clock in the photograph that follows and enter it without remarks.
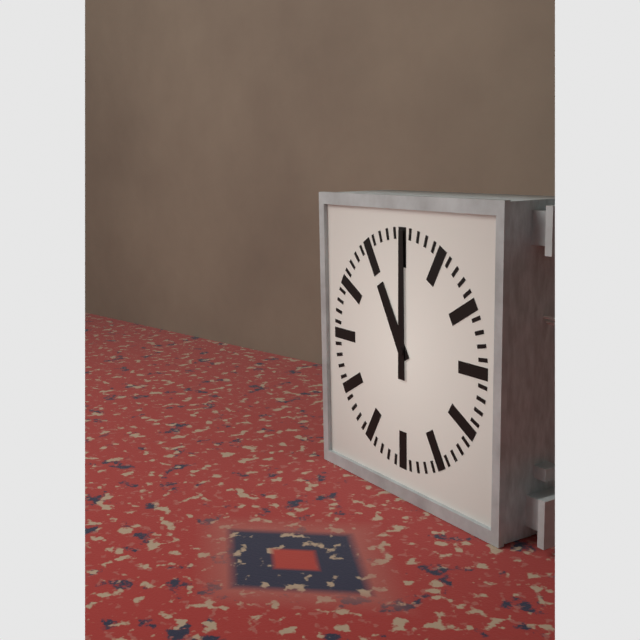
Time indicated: 11:00
